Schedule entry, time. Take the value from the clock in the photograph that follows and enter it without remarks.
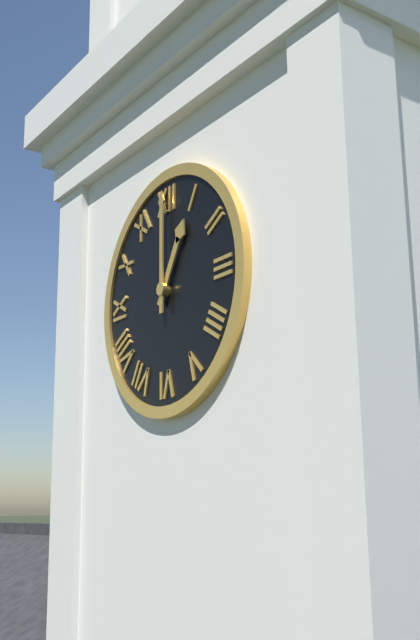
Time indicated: 1:00
